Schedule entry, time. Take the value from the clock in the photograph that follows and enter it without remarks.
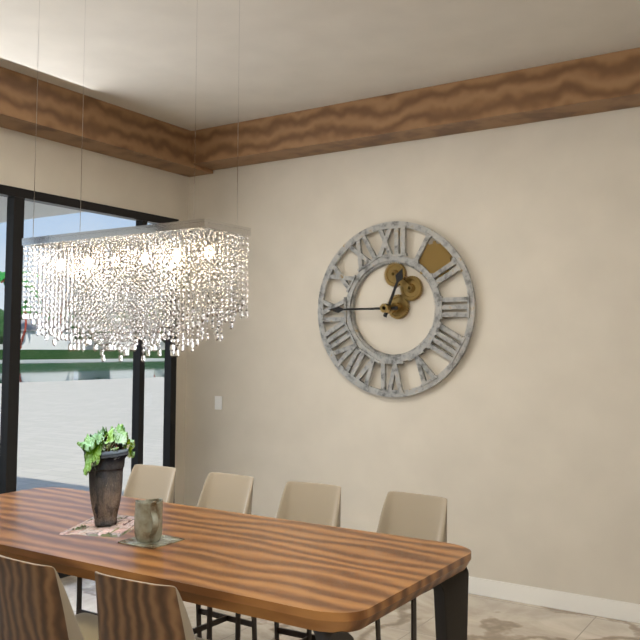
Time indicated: 12:45
